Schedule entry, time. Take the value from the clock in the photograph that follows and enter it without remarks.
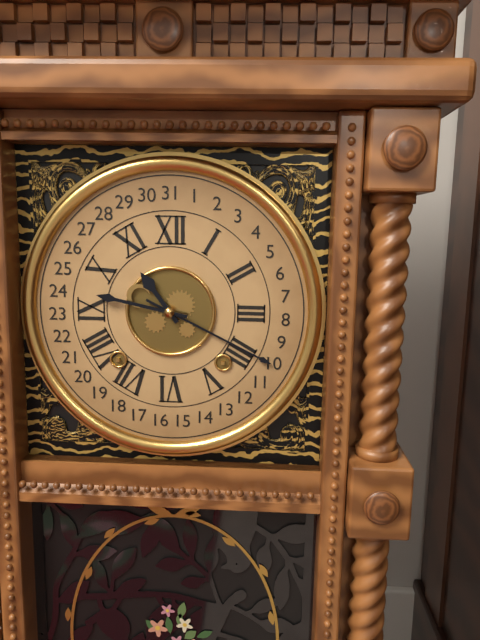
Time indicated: 10:47
